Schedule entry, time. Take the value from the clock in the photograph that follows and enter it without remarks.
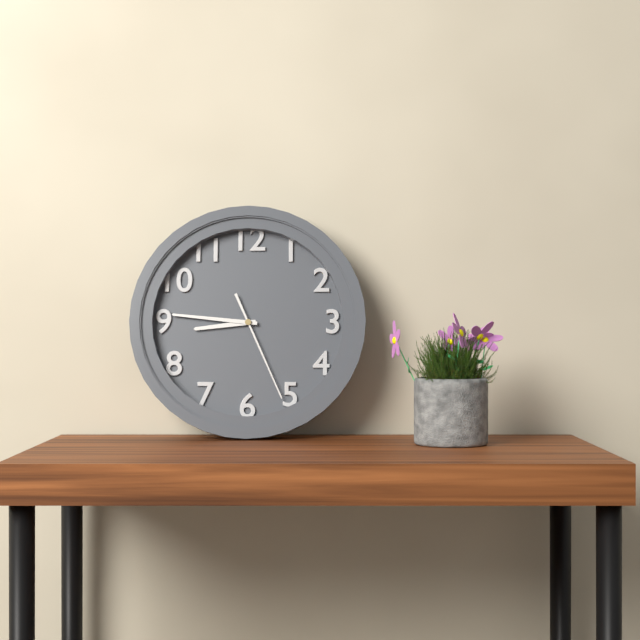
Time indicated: 8:46:26
